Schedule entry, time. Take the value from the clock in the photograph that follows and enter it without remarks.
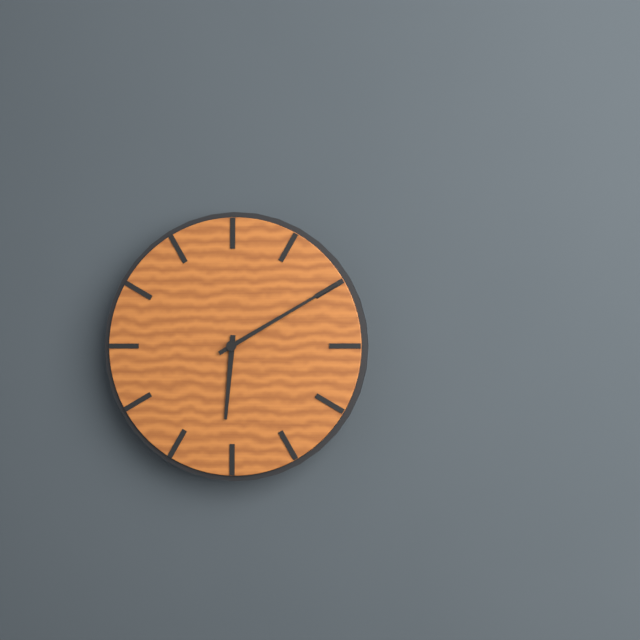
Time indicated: 6:10
